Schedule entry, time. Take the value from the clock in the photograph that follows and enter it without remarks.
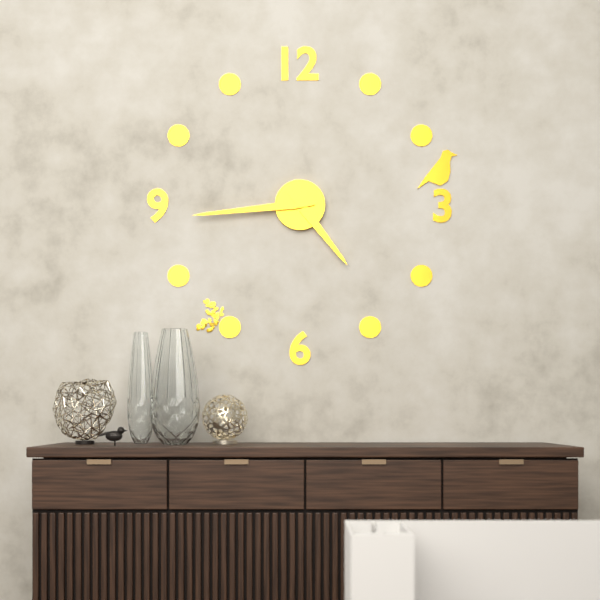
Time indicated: 4:44
